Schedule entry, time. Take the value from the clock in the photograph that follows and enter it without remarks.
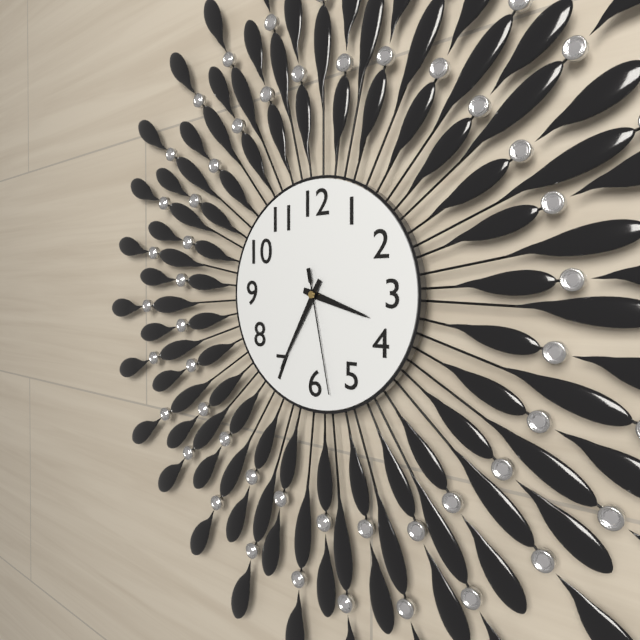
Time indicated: 3:35:28
